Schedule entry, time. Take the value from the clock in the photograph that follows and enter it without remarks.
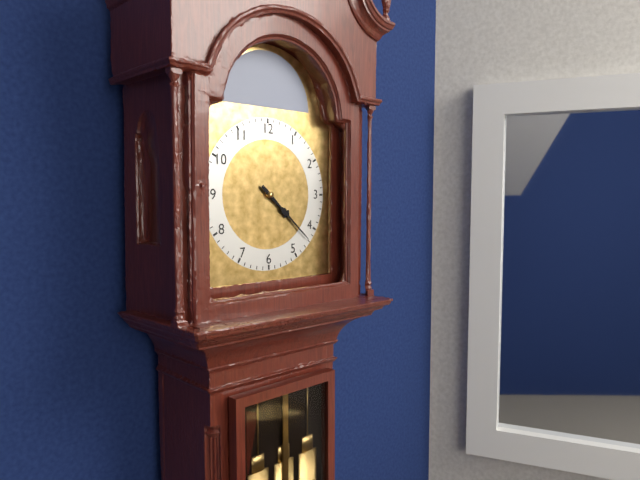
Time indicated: 4:22
